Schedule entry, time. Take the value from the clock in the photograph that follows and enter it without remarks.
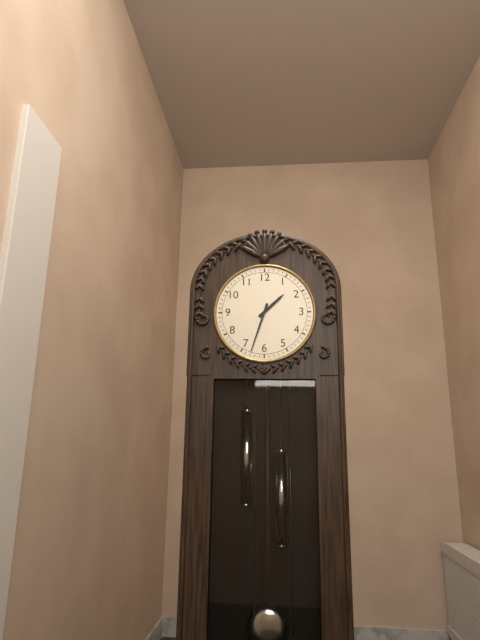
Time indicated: 1:33
